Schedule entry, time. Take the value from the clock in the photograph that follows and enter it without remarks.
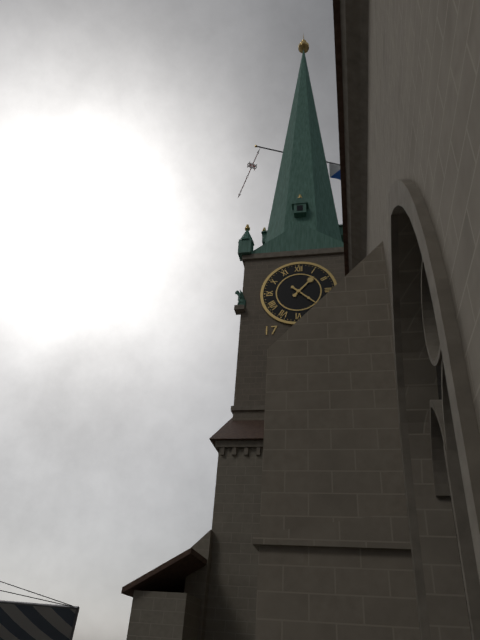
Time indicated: 1:22
